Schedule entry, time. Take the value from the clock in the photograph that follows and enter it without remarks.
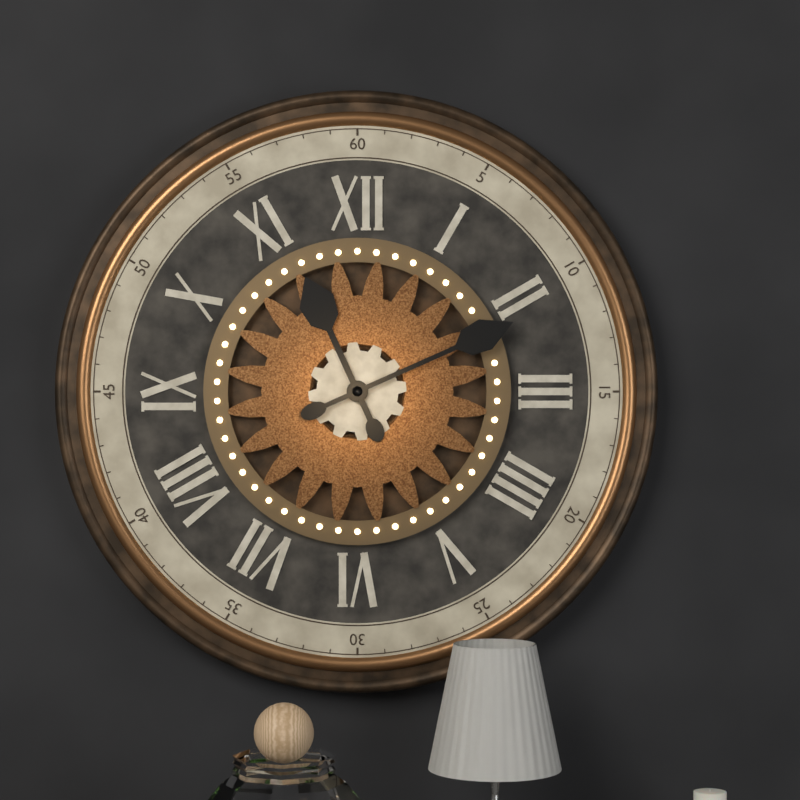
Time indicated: 11:11
